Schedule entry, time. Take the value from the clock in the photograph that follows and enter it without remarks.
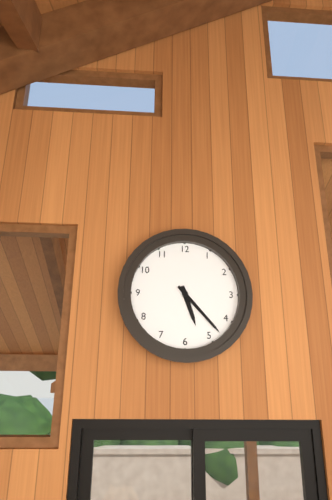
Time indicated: 5:23
